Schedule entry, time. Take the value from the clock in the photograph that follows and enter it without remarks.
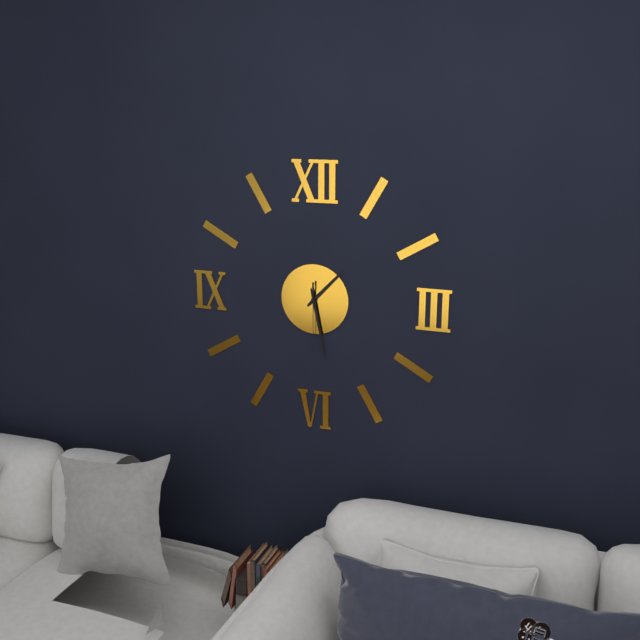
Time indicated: 1:28:30
